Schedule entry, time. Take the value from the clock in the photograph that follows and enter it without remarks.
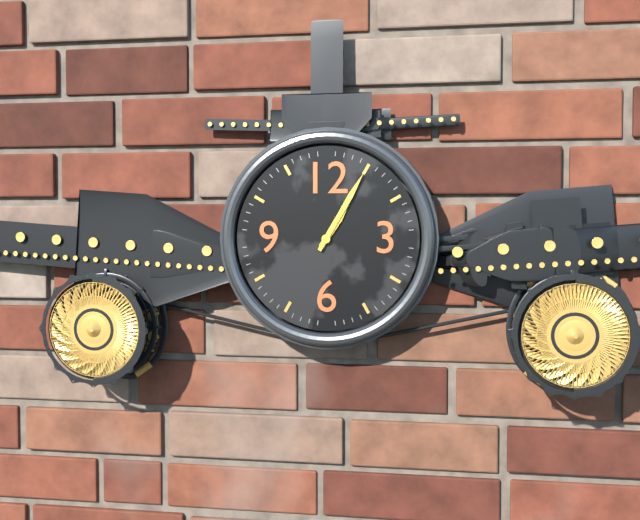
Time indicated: 1:05
